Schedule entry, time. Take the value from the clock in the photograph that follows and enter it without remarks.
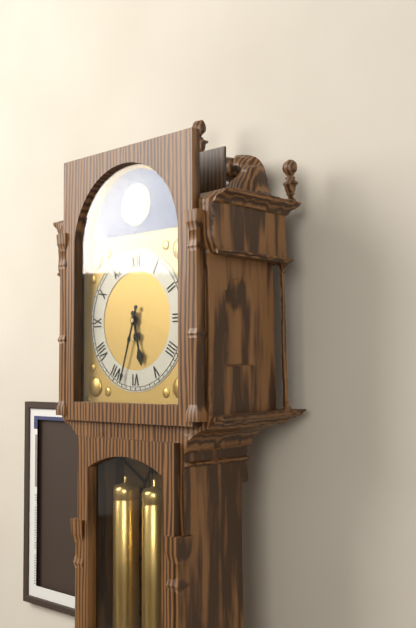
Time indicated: 5:33
